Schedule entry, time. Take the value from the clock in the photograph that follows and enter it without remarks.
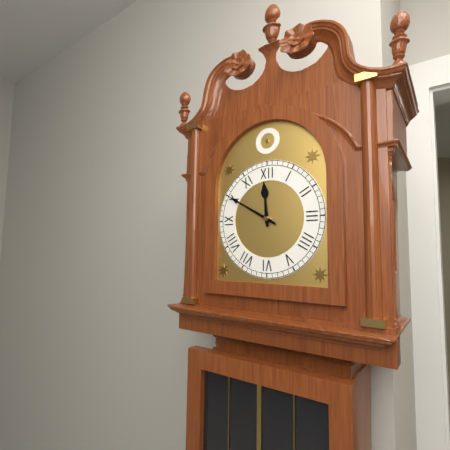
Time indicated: 11:50
